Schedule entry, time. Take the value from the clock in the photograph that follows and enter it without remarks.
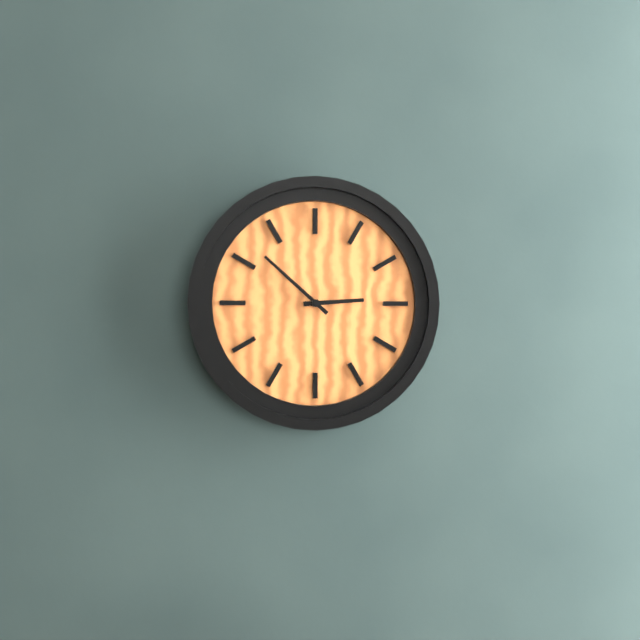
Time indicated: 2:52
